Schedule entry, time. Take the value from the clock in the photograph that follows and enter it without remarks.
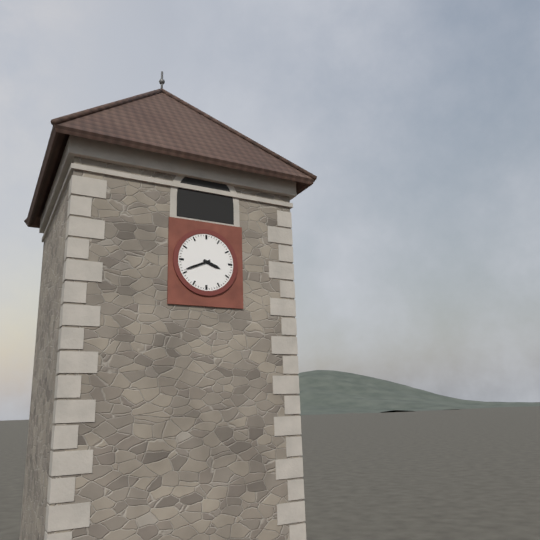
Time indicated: 3:41
